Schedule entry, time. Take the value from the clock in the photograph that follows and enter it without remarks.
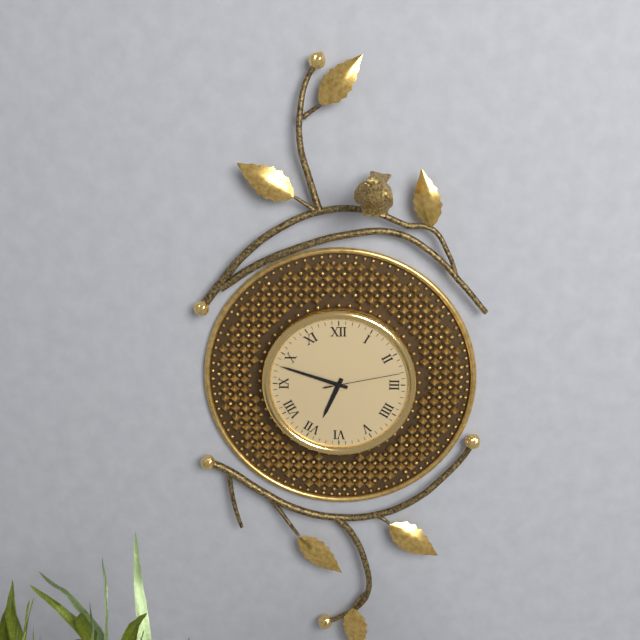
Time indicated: 6:48:13
